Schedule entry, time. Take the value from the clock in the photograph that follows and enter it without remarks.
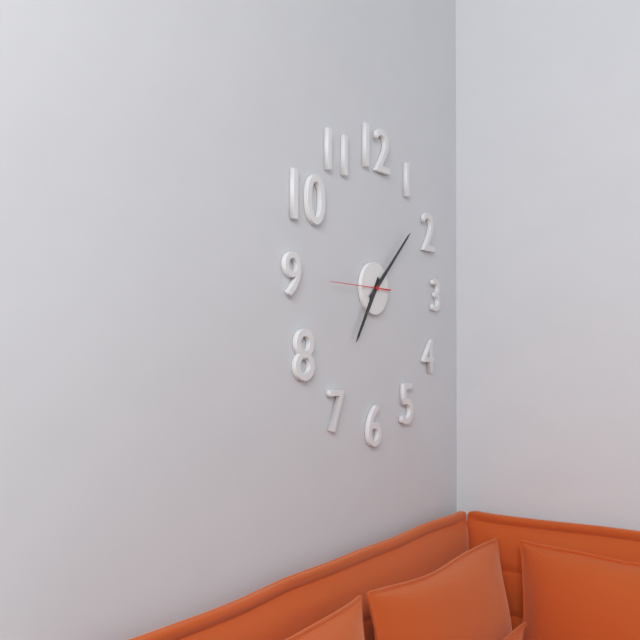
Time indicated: 7:08:45
